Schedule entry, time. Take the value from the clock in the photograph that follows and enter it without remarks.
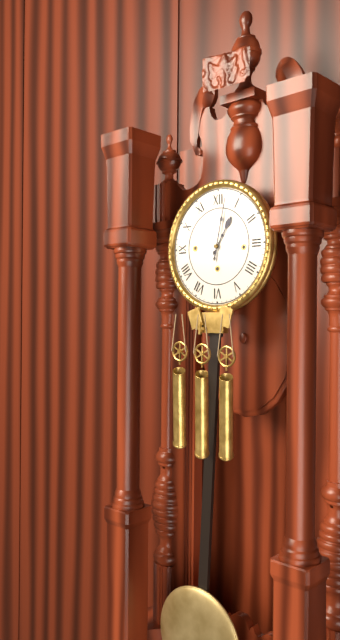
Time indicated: 1:02
